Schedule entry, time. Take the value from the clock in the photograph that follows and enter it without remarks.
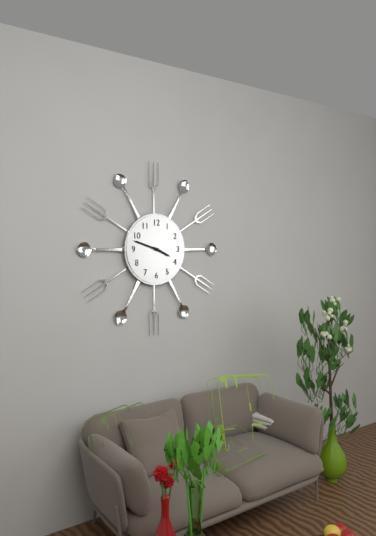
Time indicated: 3:48
